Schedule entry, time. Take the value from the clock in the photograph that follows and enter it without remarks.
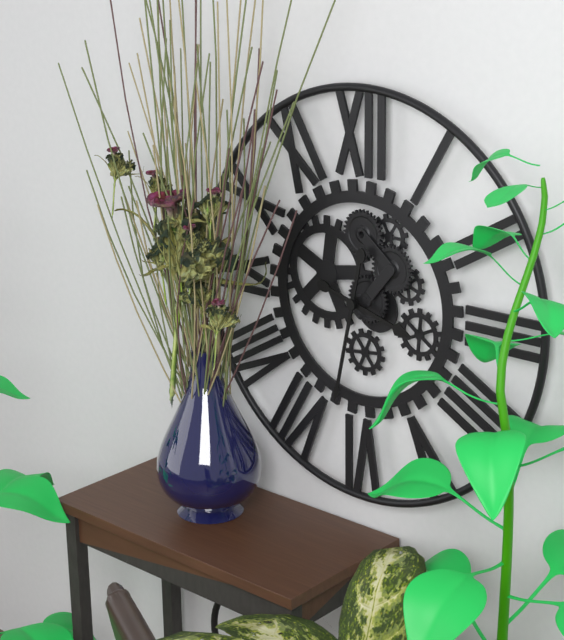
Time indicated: 3:32
